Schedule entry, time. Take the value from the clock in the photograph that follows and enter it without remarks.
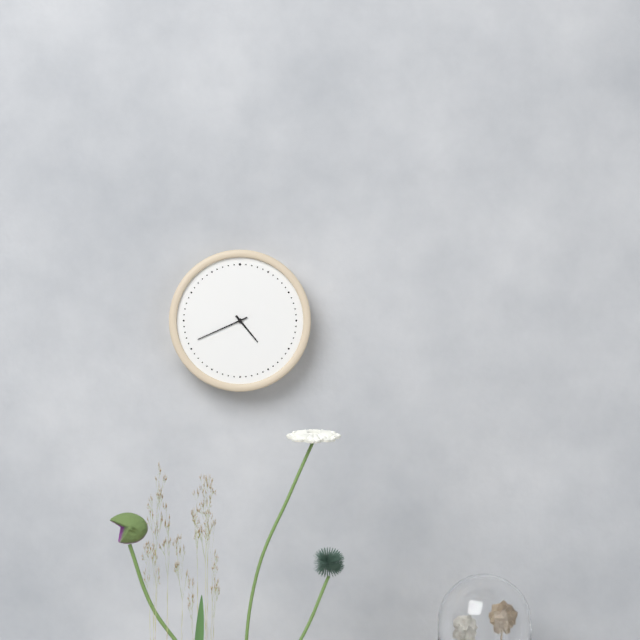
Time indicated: 4:41
